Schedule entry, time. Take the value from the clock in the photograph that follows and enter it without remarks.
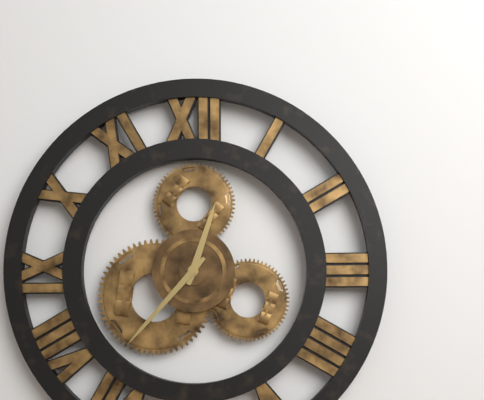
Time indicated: 12:37
